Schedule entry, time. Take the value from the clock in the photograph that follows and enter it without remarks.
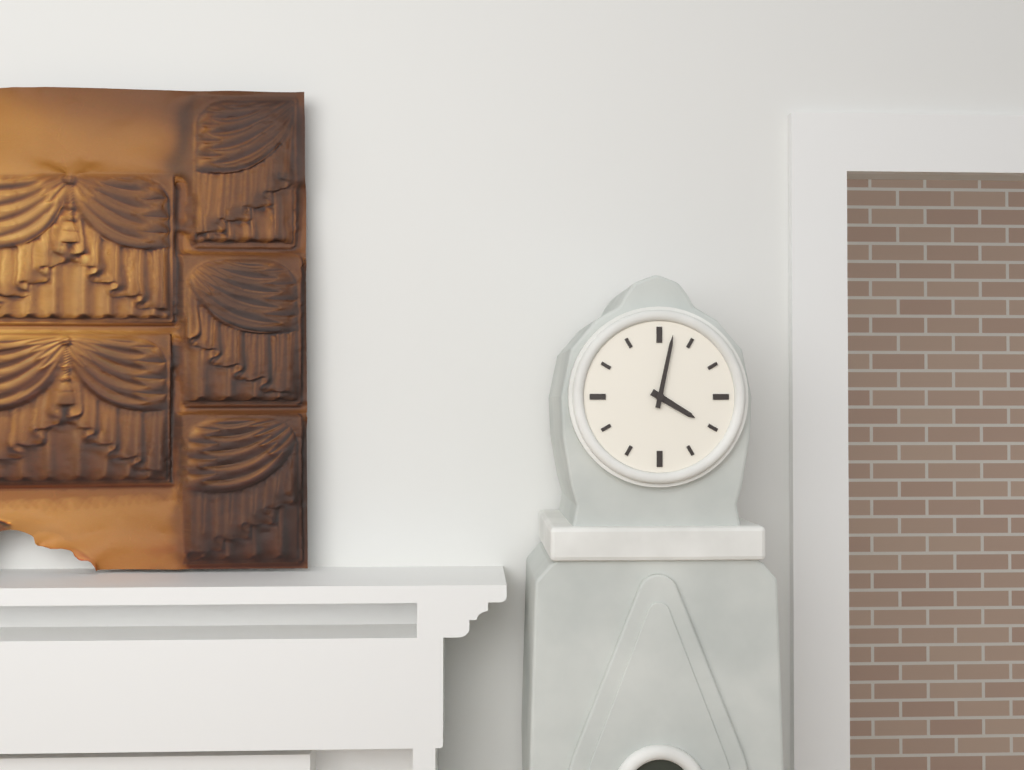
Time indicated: 4:02
